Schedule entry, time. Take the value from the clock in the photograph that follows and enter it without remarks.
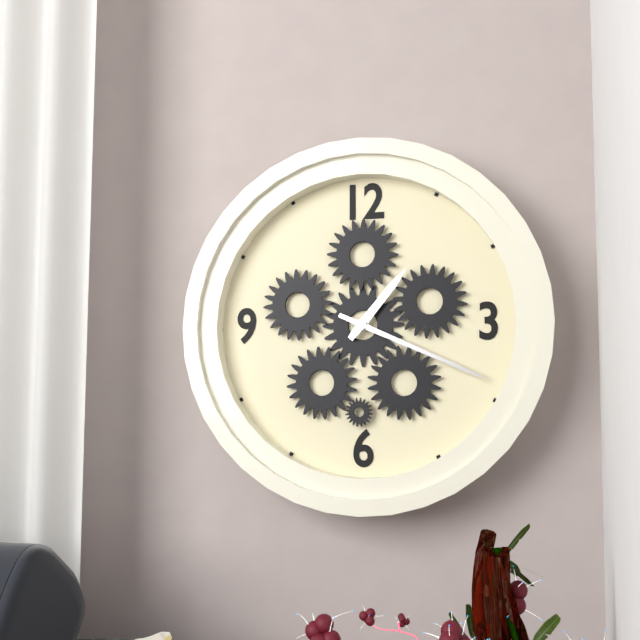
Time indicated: 1:19
